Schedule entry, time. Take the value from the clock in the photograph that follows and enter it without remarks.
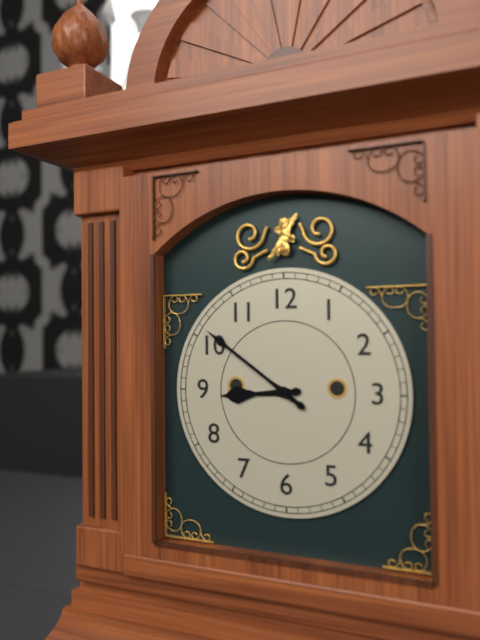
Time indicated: 8:51
